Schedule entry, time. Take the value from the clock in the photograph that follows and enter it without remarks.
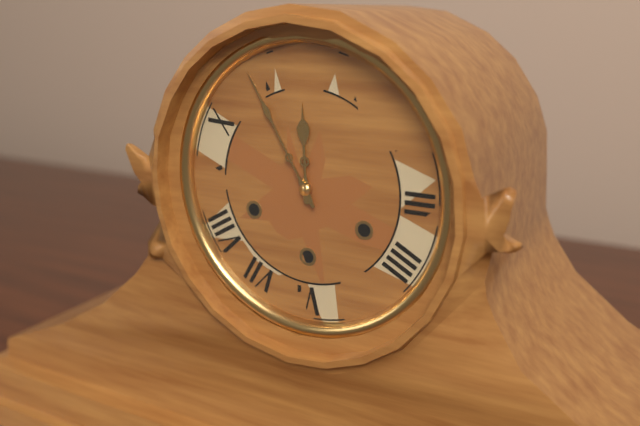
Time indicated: 11:55
